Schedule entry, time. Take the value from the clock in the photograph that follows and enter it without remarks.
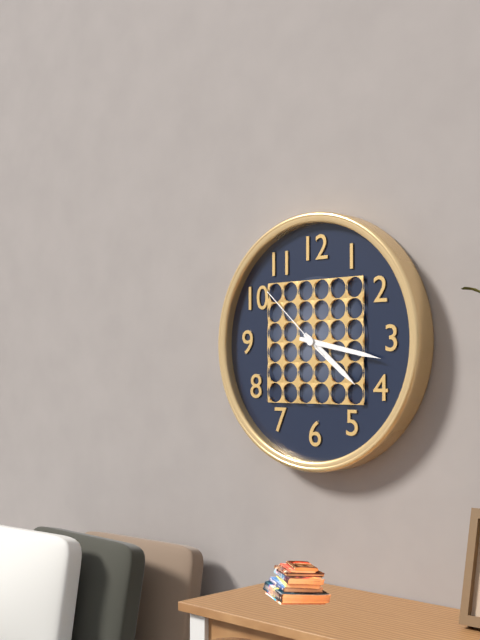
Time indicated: 4:17:52
